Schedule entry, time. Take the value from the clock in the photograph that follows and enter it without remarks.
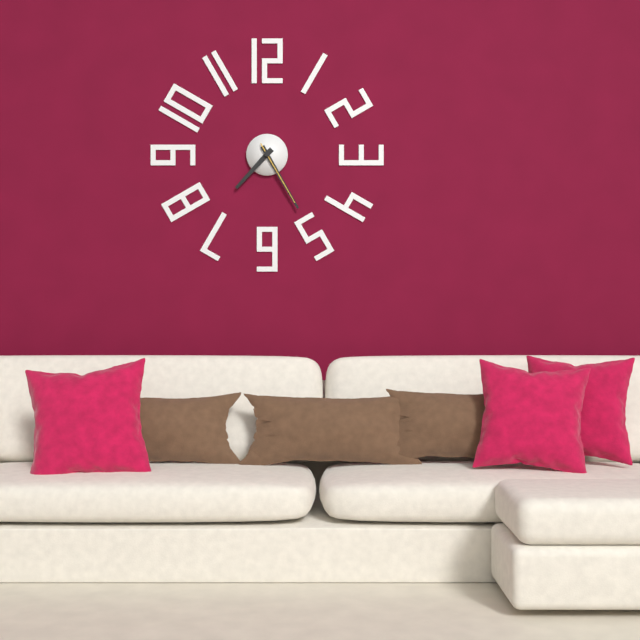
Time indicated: 7:25:25
